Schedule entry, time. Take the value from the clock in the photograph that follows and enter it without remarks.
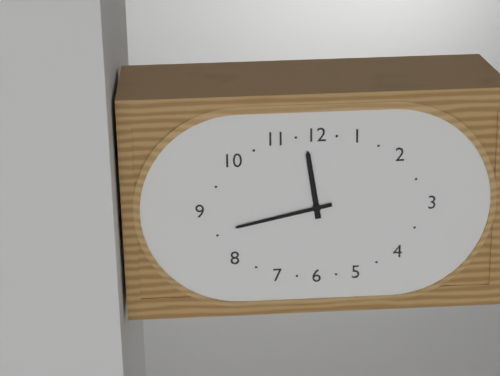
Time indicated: 11:43
